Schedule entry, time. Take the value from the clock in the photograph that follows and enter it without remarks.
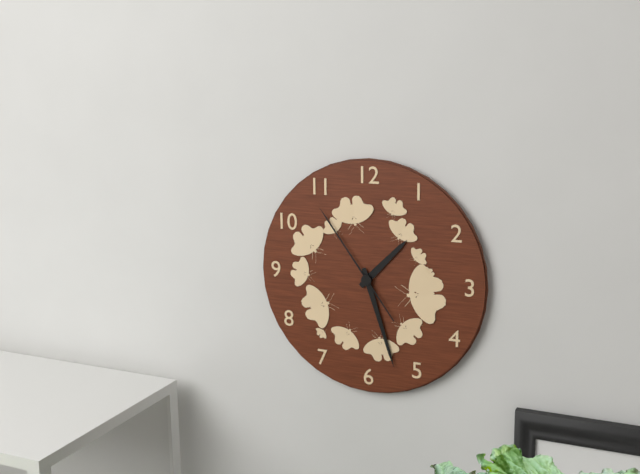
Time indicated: 1:27:54
